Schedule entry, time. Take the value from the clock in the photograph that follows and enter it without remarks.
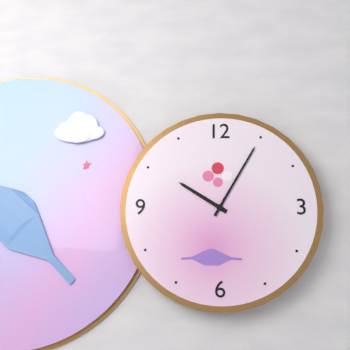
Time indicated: 10:05
